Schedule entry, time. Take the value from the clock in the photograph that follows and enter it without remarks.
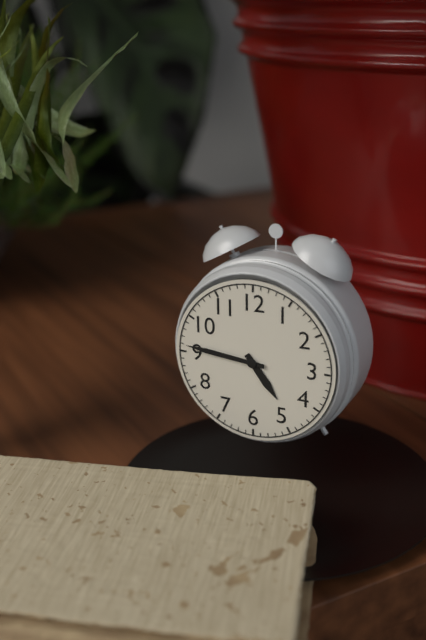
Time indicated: 4:46
